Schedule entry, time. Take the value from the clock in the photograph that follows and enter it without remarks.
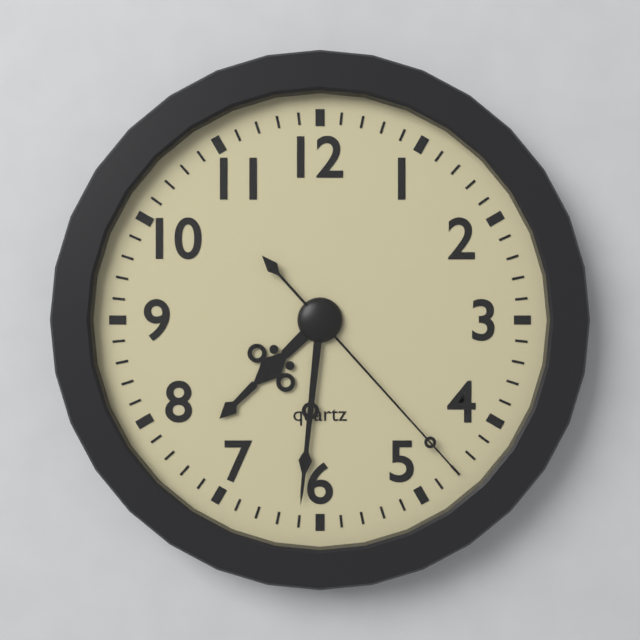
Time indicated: 7:31:23
